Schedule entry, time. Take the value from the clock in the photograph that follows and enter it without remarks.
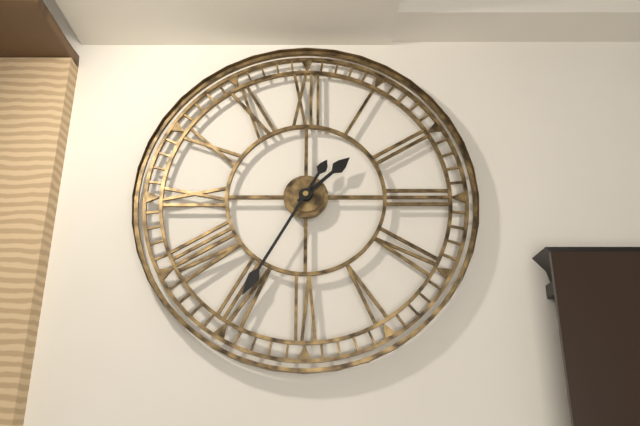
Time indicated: 1:35
